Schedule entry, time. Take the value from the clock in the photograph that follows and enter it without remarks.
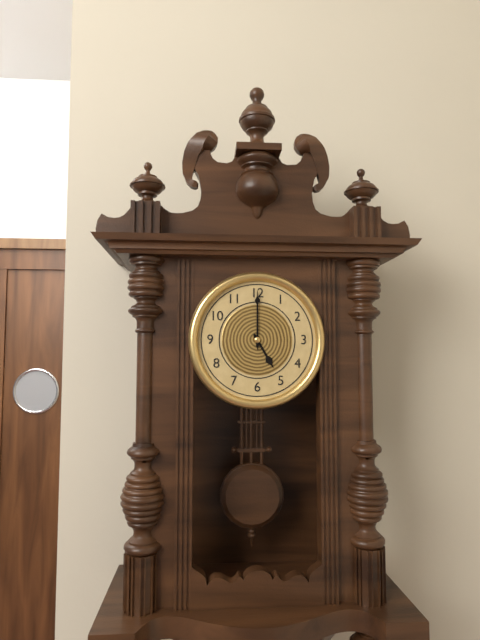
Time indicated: 5:00
